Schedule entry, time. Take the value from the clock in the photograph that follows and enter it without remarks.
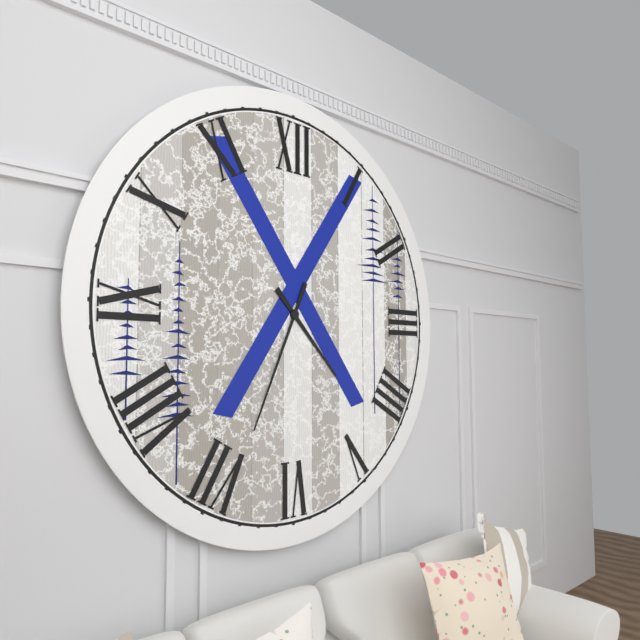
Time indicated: 4:34
